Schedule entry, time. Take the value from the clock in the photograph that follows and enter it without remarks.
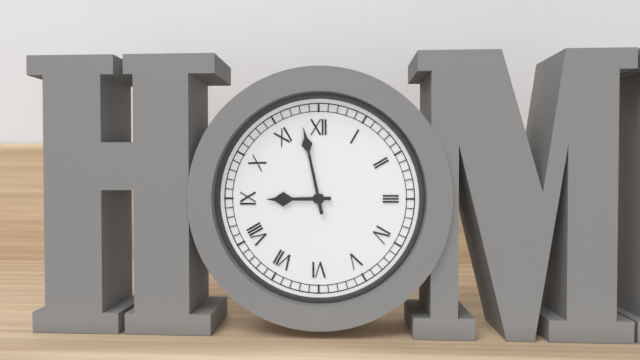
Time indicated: 8:58
